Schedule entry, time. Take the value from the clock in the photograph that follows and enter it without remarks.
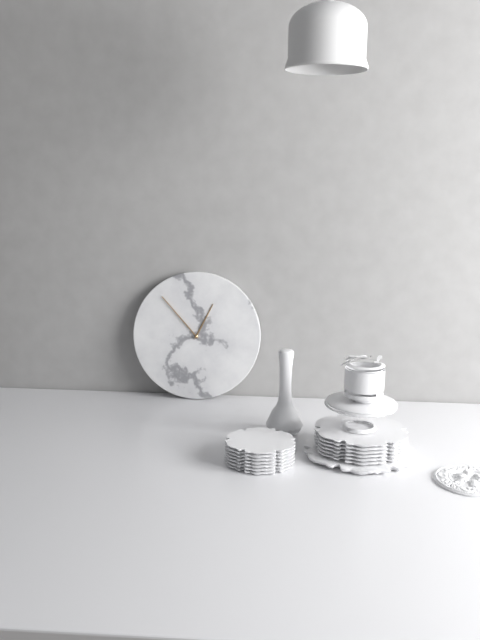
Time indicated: 12:53
